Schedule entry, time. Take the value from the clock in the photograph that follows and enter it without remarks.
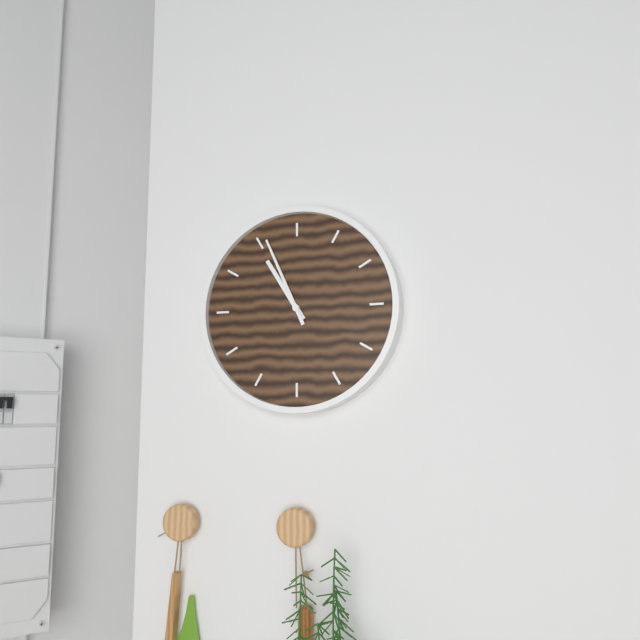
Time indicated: 10:56
